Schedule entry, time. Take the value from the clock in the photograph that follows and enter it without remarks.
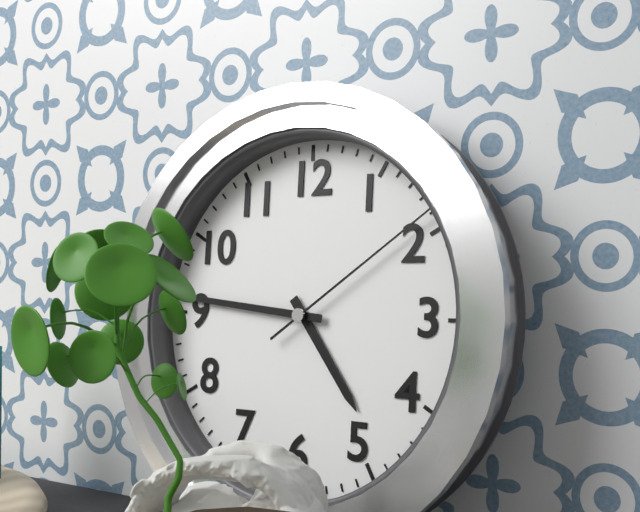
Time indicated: 4:46:09
